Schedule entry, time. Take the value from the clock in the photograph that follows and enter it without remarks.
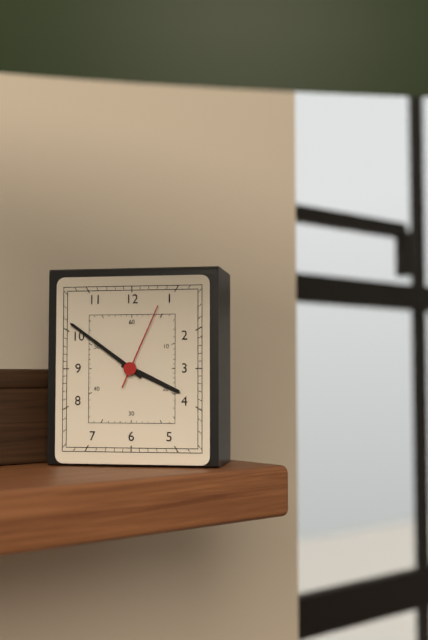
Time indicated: 3:51:04
